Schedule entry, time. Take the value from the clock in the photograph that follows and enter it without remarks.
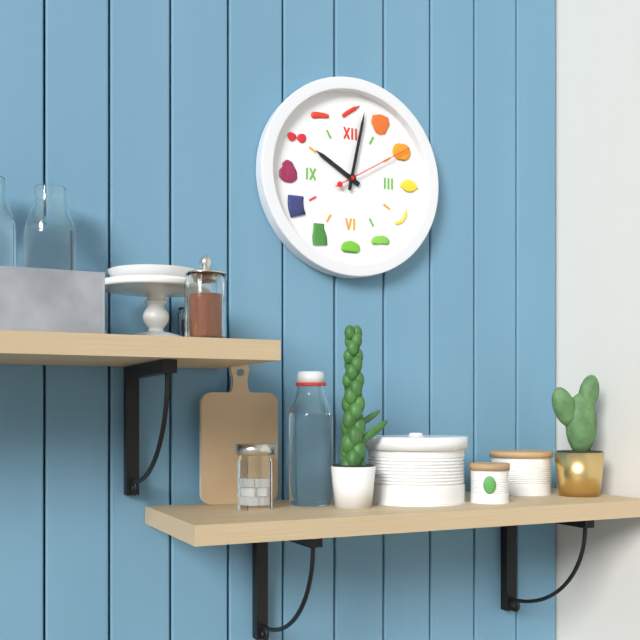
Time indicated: 10:02:10
